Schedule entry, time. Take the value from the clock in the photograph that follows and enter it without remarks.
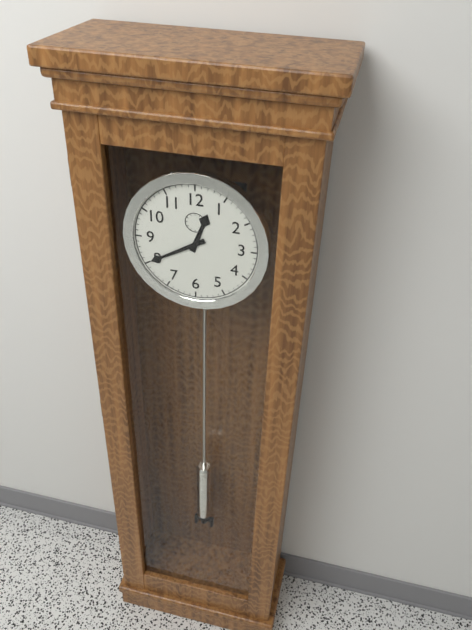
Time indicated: 12:40
